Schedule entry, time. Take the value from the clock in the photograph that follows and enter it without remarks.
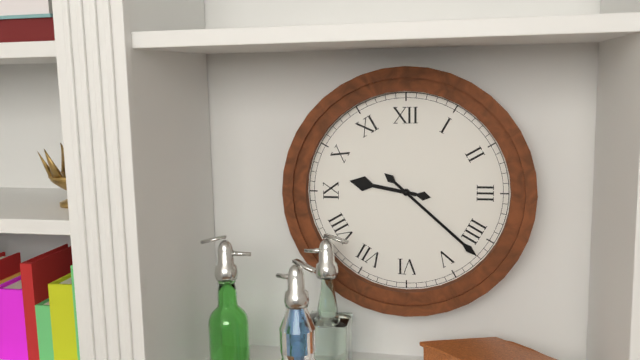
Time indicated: 9:22
